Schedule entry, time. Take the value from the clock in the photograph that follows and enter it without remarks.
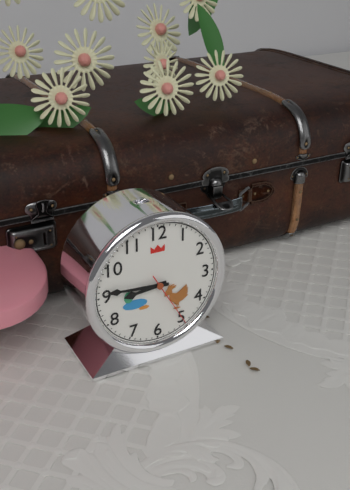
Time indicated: 8:46:25
